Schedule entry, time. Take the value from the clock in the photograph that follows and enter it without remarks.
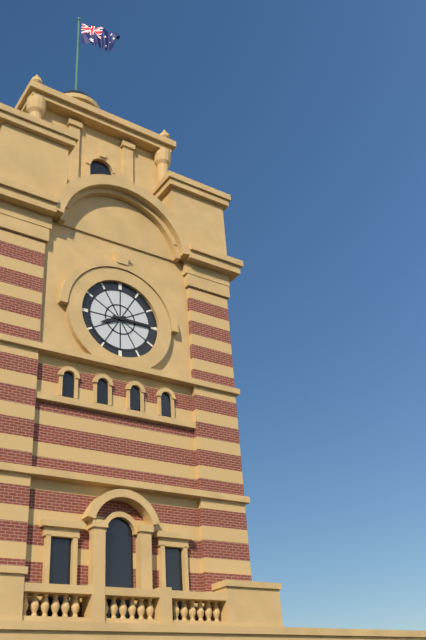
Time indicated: 8:15
